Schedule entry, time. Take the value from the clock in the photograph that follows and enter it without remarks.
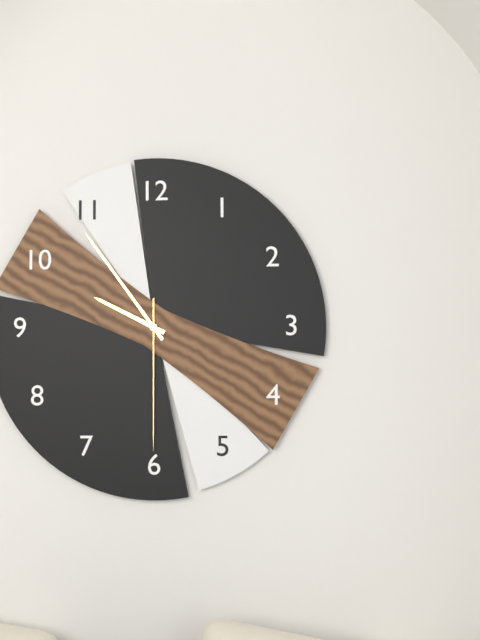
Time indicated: 9:54:30
